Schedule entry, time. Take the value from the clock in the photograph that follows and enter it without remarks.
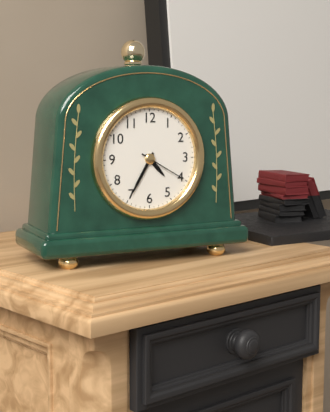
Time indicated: 4:35:20
